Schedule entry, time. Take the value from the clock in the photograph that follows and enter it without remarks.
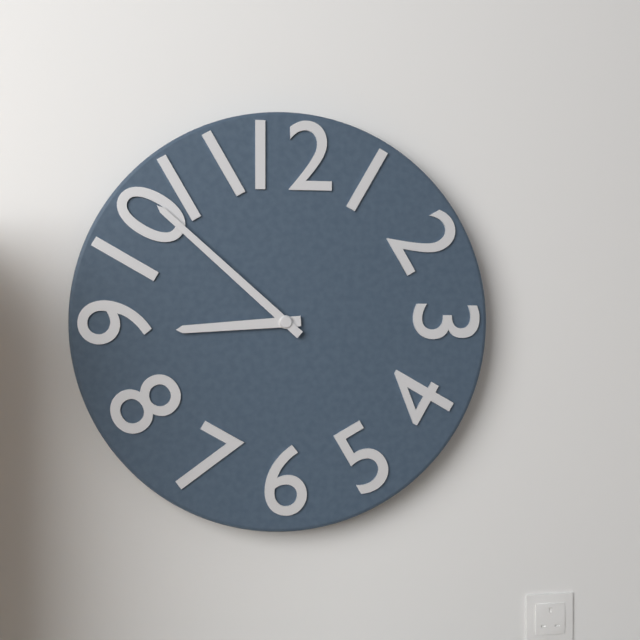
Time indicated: 8:52
